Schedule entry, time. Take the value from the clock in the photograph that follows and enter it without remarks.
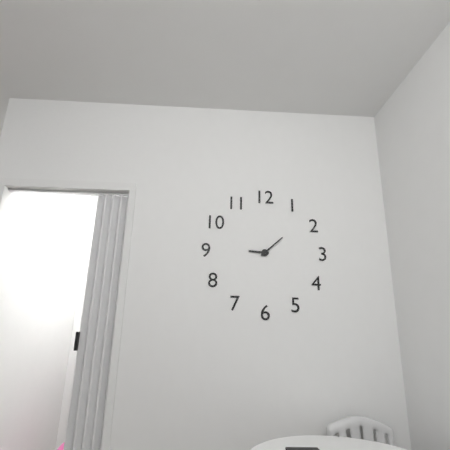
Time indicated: 9:08
